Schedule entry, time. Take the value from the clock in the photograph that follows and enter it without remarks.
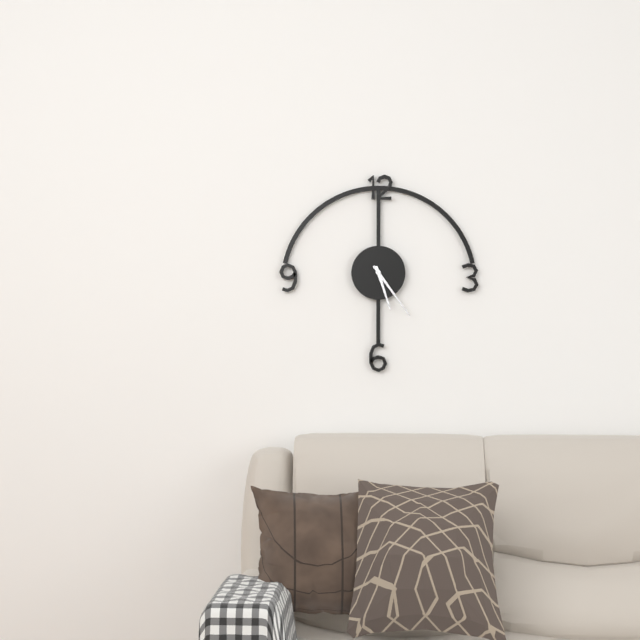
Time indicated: 5:24
